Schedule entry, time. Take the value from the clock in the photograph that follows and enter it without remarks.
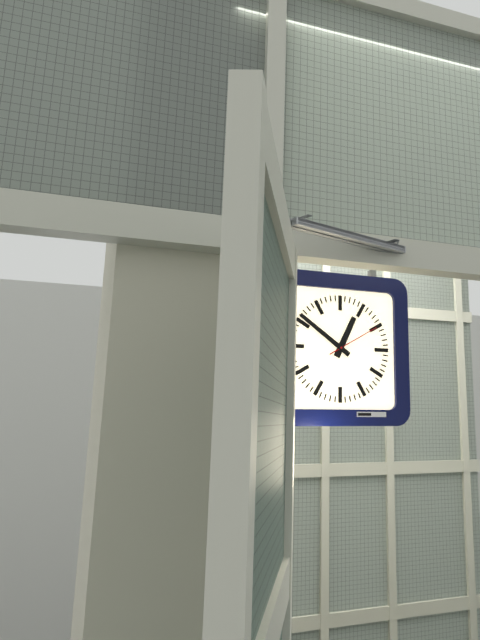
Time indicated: 12:51:10
